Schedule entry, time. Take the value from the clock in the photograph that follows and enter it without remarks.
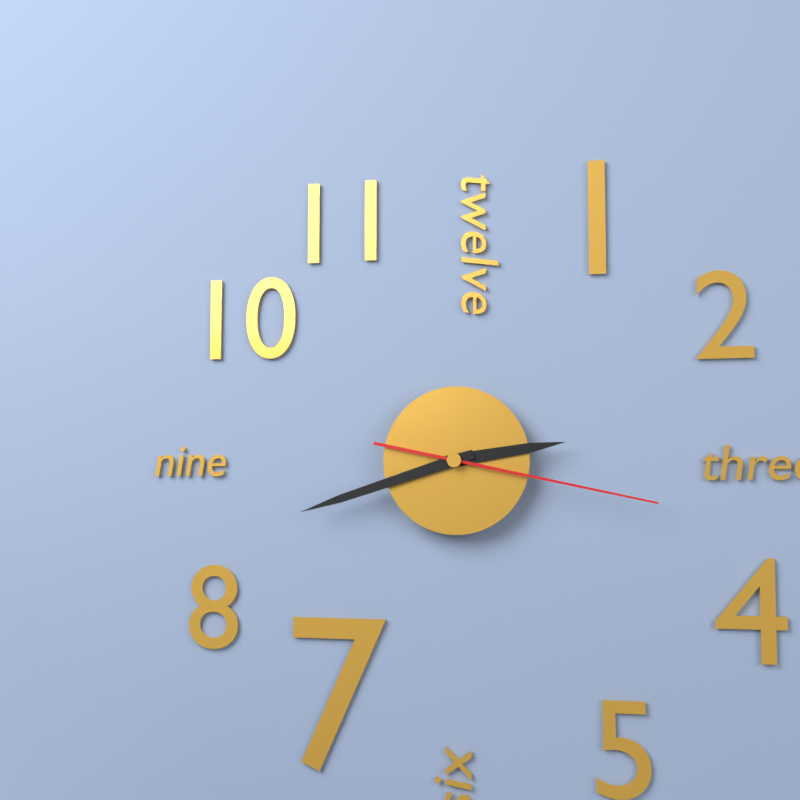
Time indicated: 2:42:17
